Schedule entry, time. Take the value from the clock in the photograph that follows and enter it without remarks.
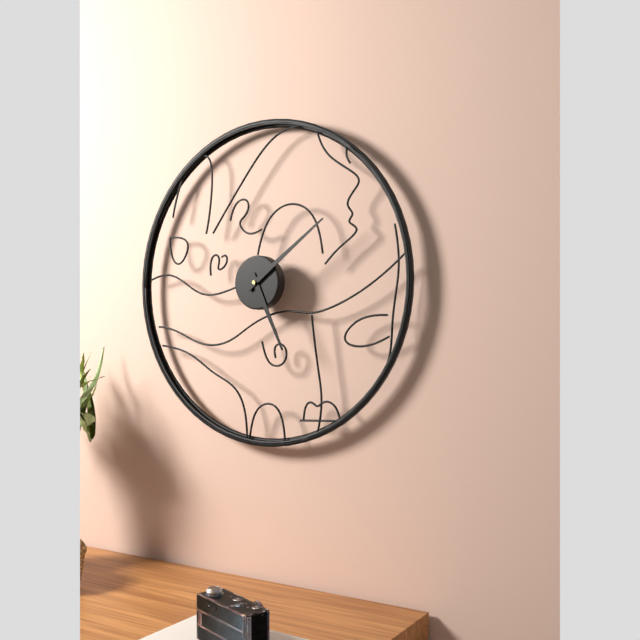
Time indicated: 5:09
